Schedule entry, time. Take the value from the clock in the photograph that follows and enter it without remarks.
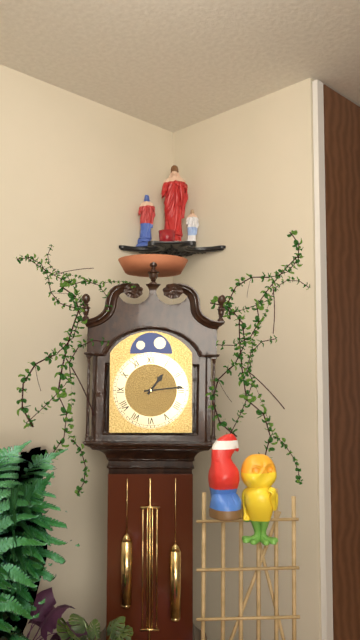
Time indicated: 1:14
